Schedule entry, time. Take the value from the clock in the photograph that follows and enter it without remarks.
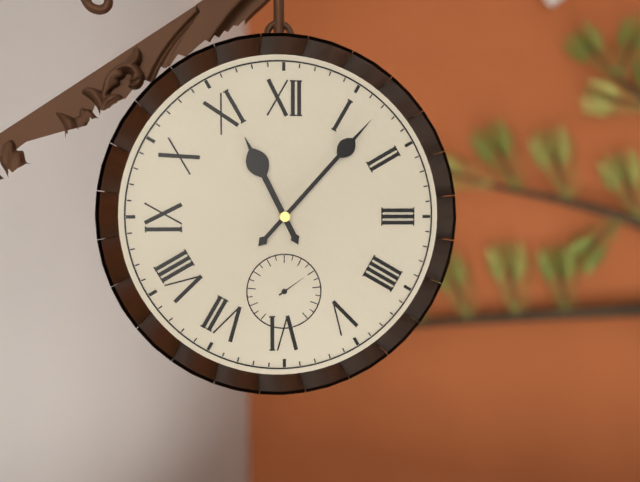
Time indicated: 11:07
